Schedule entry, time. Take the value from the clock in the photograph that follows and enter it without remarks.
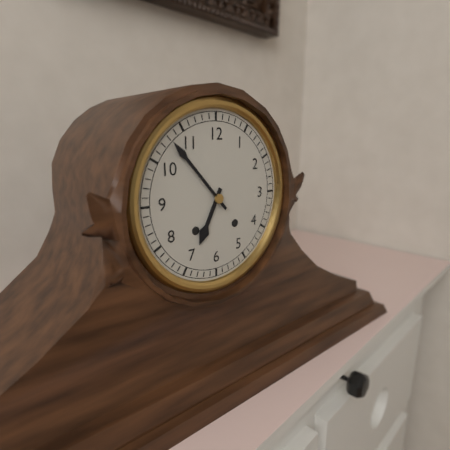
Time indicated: 6:53
